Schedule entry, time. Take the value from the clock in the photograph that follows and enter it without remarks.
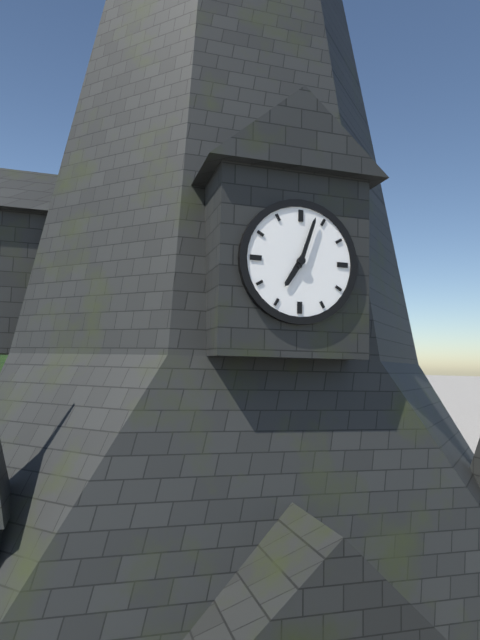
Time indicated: 7:03
